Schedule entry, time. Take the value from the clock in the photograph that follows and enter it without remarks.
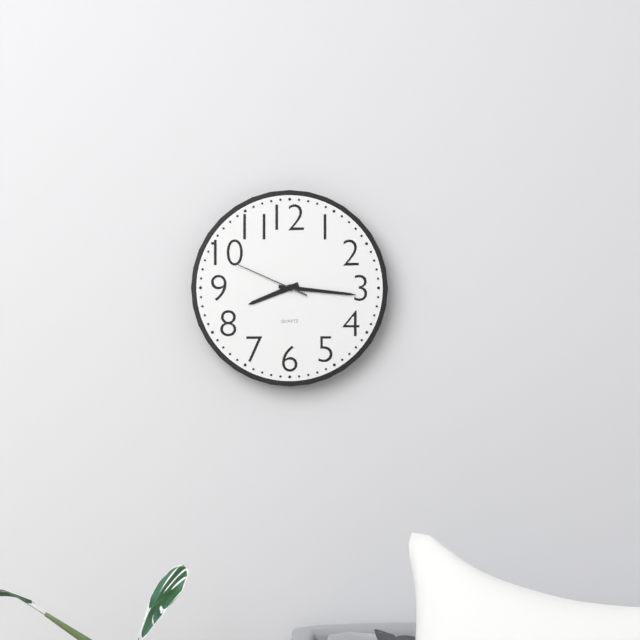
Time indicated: 8:16:49
